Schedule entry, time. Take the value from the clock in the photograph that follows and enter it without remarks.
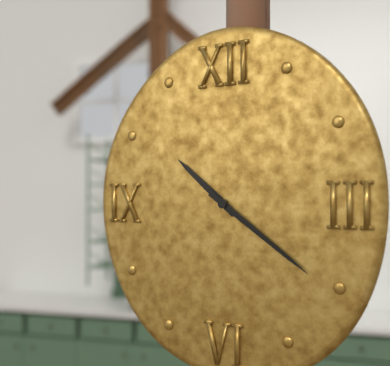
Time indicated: 10:21
